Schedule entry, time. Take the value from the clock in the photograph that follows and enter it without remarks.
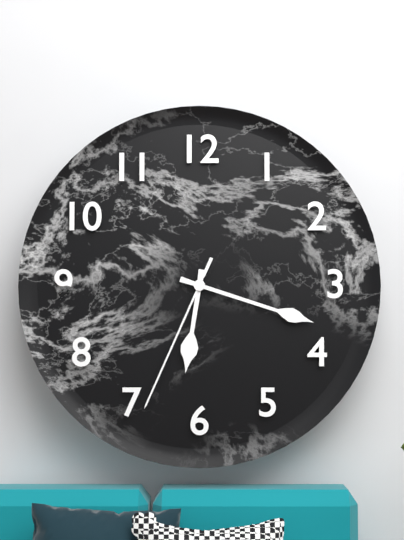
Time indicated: 6:18:34
